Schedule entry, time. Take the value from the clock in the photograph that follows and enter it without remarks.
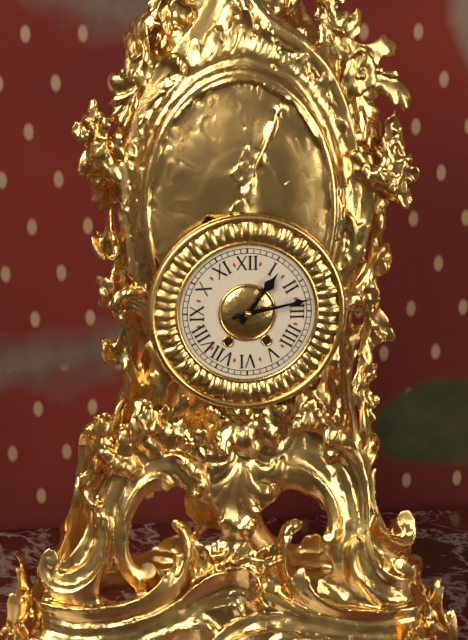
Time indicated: 1:13
